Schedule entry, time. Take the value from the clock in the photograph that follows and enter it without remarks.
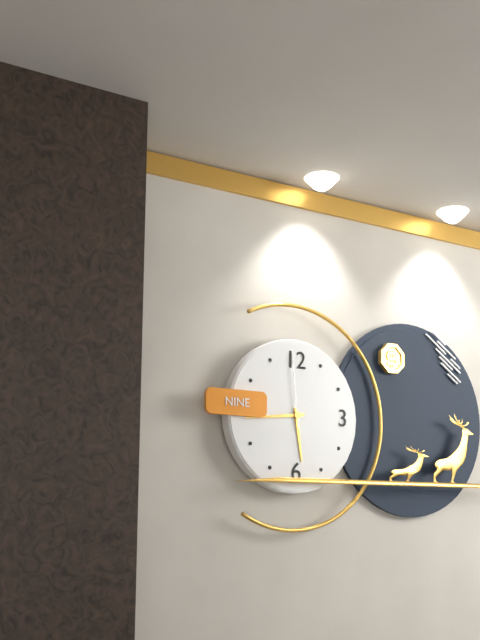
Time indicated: 5:44:59
